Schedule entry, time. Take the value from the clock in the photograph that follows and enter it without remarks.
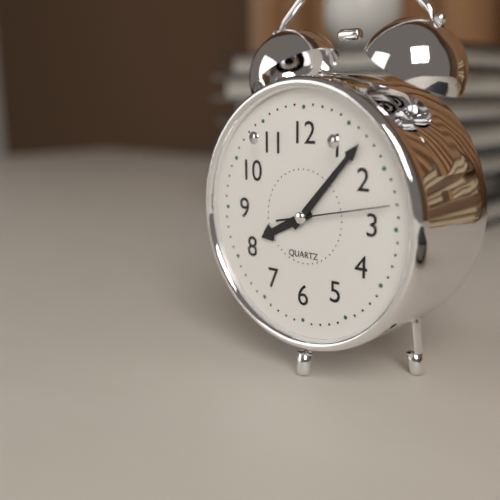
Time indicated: 8:07:13
